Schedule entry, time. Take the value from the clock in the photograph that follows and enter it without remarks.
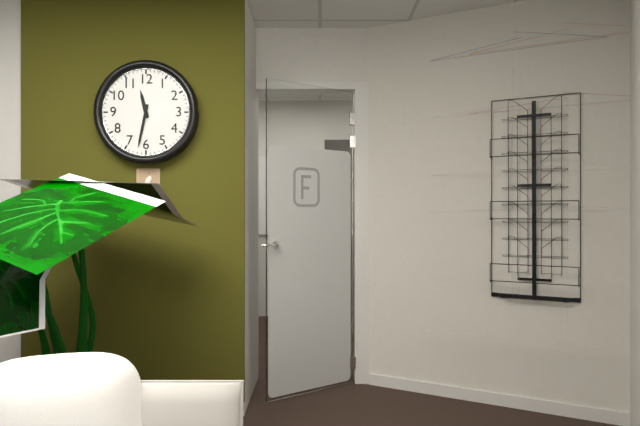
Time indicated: 11:32
